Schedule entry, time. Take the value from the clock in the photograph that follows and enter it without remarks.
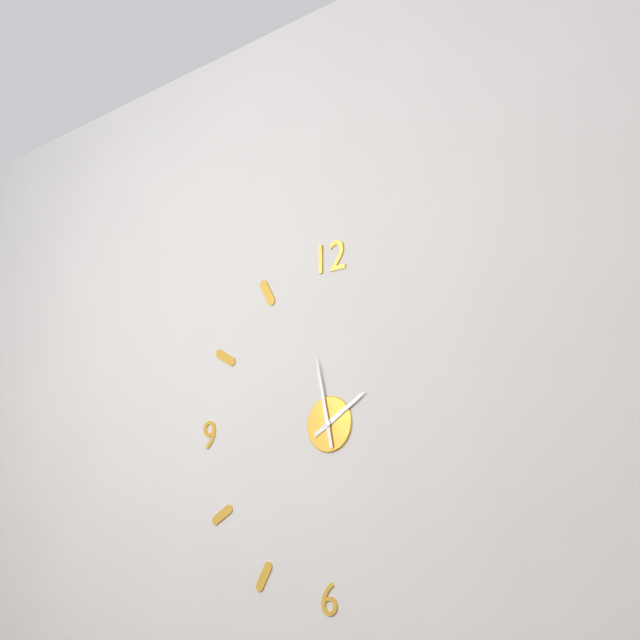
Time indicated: 1:58
